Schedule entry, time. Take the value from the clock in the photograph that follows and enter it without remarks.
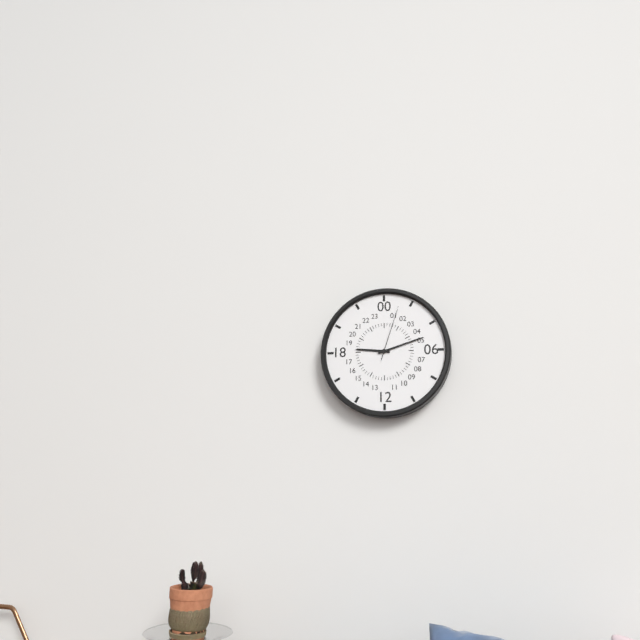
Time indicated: 9:12:03
